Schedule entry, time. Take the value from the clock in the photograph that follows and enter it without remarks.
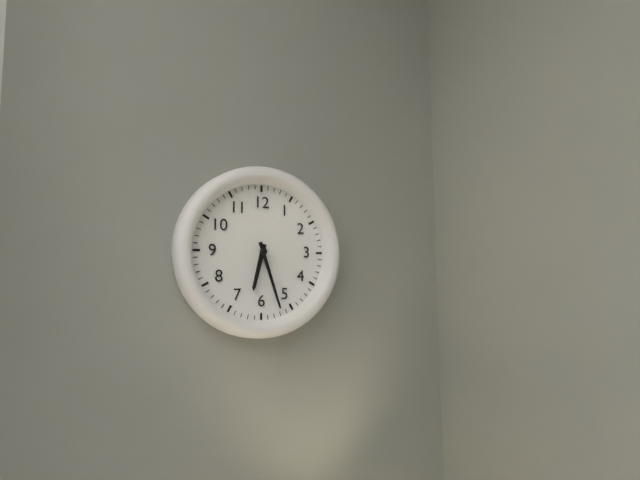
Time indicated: 6:27
